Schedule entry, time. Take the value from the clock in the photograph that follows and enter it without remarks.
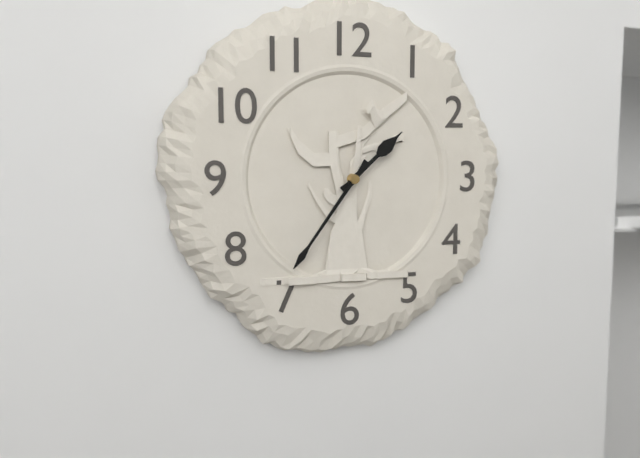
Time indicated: 1:36
